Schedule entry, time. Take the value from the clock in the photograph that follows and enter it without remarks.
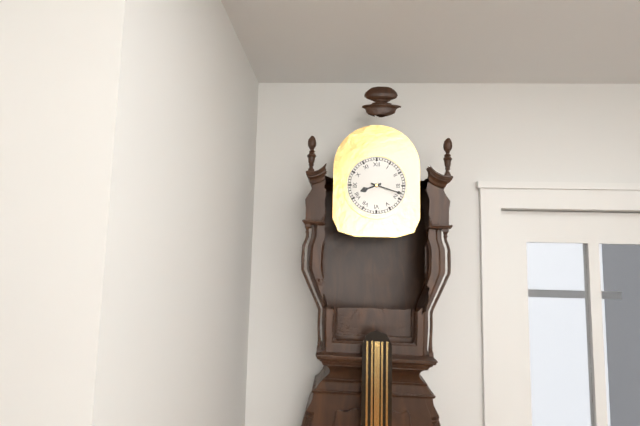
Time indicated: 8:18
